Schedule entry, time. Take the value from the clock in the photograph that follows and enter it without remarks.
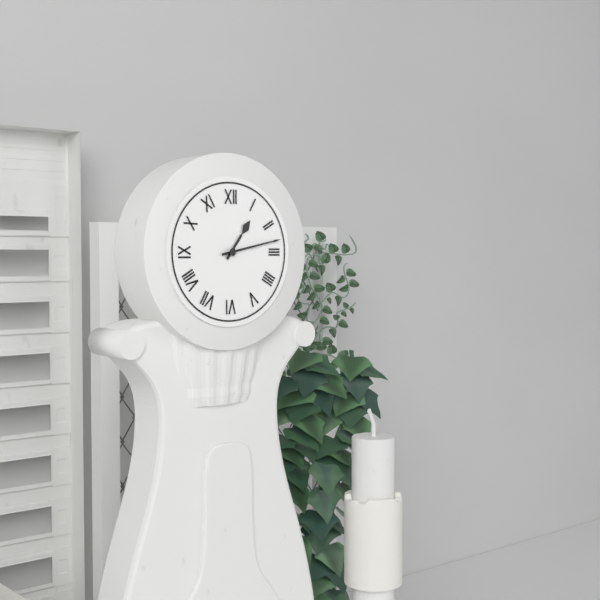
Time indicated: 1:13
